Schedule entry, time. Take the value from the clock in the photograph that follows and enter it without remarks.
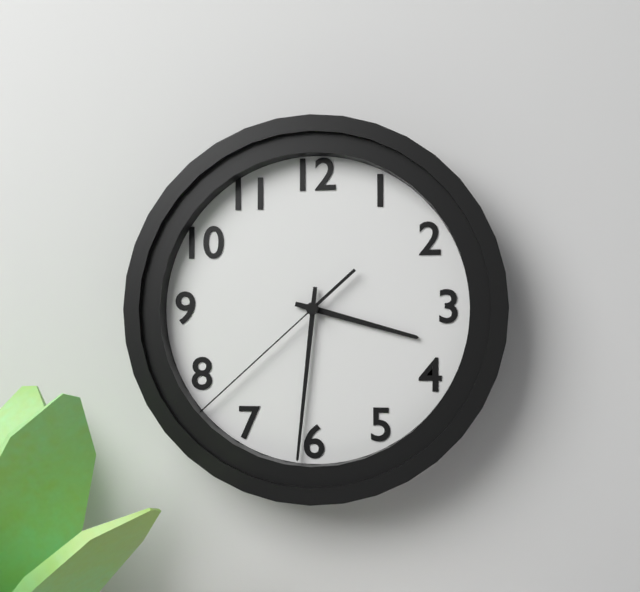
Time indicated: 3:31:38
